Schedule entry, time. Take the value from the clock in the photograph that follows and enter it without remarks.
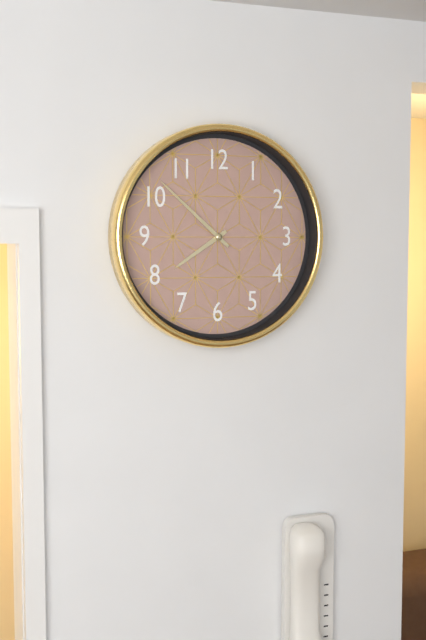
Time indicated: 7:52
